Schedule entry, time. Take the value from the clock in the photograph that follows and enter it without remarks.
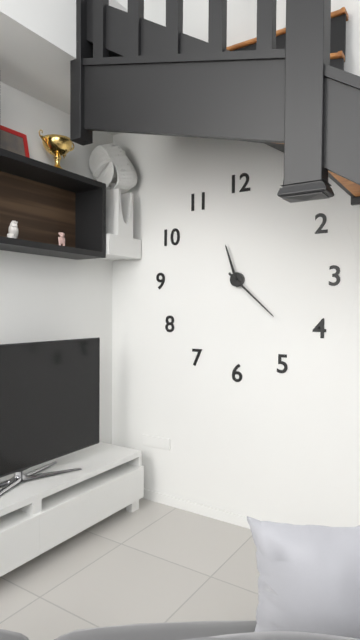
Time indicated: 11:22
